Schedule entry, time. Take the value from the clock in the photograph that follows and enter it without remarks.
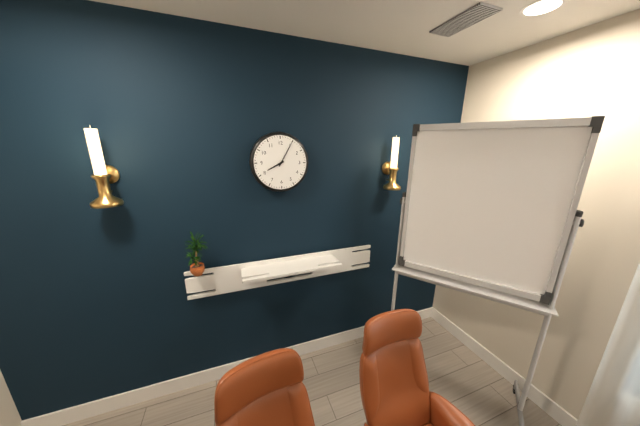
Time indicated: 8:05
